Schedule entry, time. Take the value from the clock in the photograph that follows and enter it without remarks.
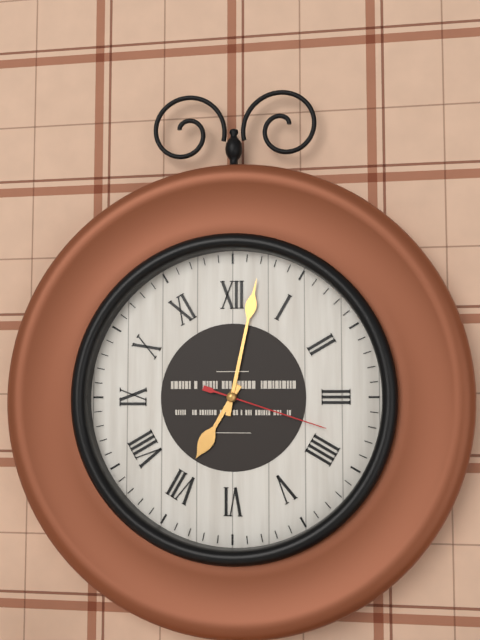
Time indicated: 7:02:18
